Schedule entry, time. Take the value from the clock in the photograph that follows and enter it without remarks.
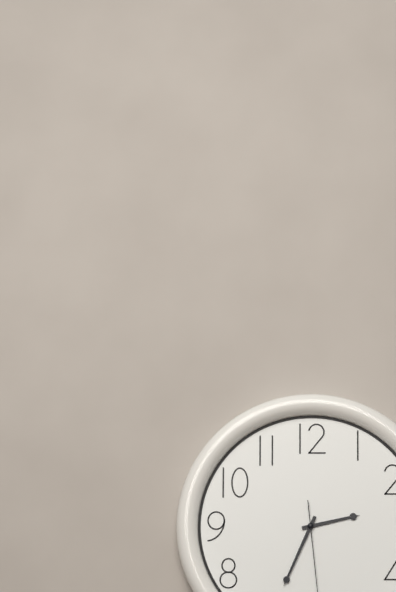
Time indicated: 2:34
